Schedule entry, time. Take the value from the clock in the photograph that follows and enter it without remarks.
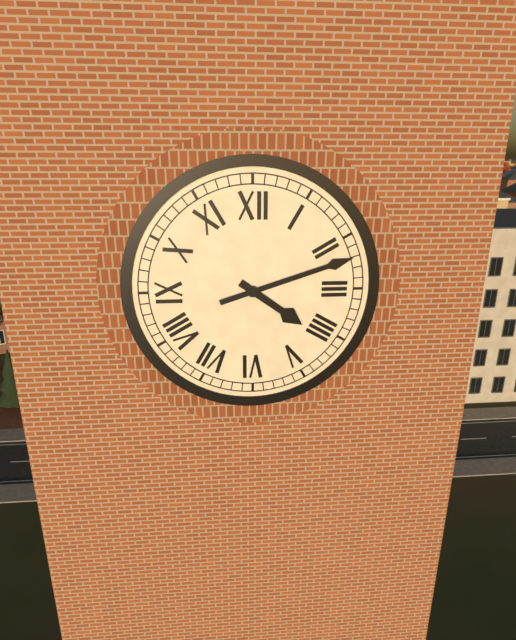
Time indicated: 4:12
